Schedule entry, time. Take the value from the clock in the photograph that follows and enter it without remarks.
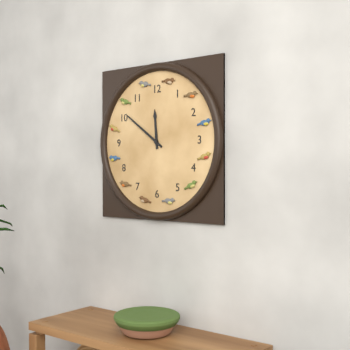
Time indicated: 11:51
